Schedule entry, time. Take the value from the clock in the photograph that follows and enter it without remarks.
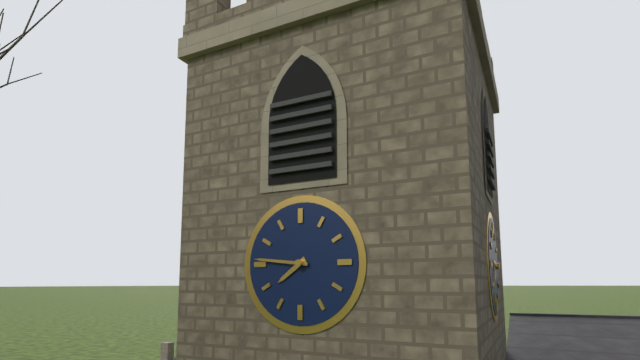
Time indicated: 7:46
